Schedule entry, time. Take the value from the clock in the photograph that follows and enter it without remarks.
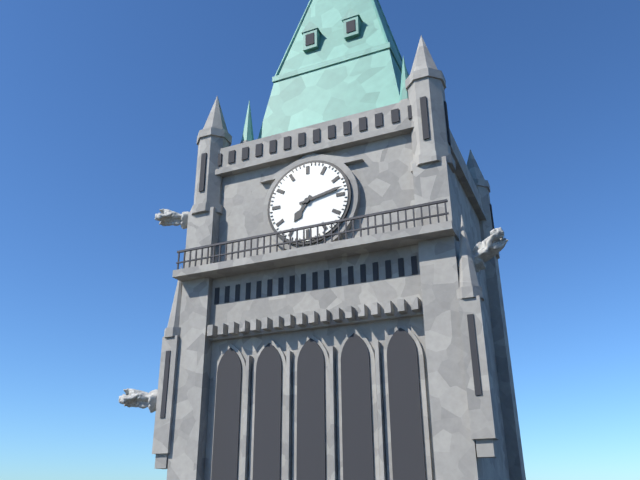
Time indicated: 7:13
